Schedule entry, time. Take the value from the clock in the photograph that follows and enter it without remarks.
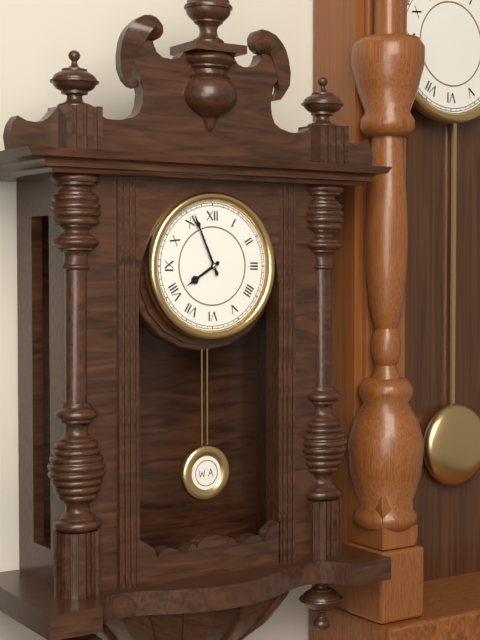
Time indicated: 7:56
